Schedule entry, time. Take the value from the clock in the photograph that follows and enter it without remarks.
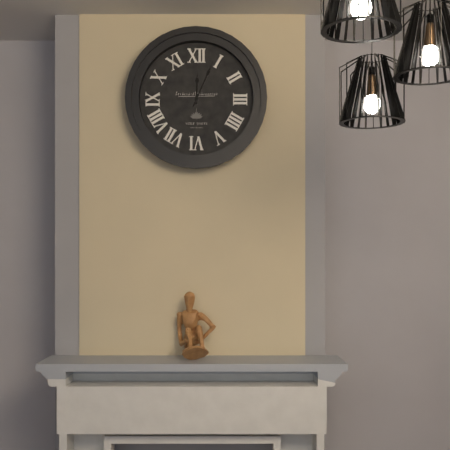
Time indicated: 12:04
